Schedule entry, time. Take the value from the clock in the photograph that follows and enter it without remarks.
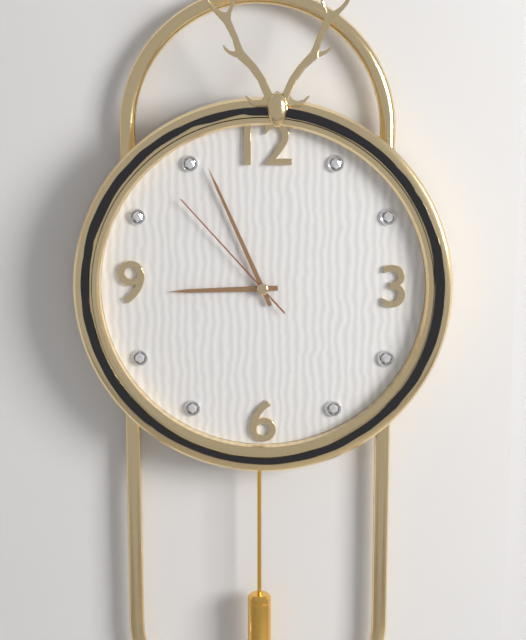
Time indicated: 8:56:53
